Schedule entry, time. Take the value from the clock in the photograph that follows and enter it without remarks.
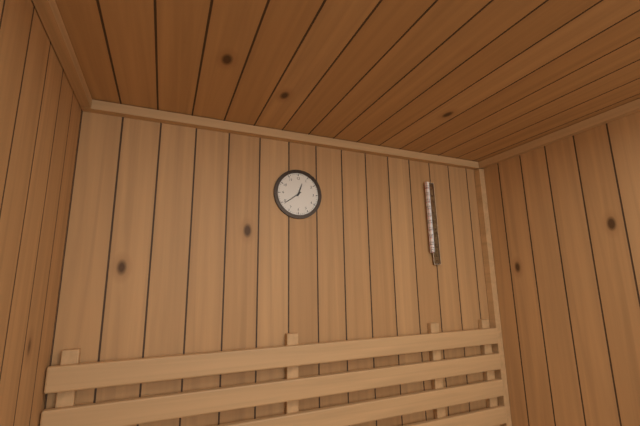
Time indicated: 12:39
